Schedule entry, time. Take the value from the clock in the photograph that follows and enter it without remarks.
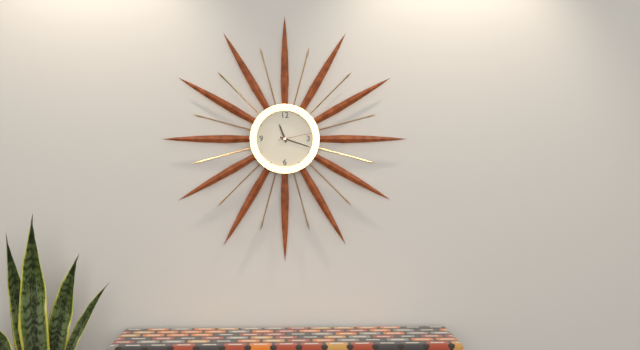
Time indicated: 11:18
